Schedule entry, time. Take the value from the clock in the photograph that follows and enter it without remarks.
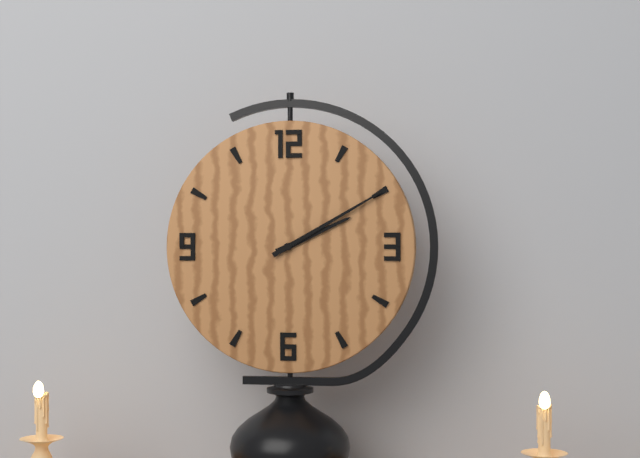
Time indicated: 2:10
